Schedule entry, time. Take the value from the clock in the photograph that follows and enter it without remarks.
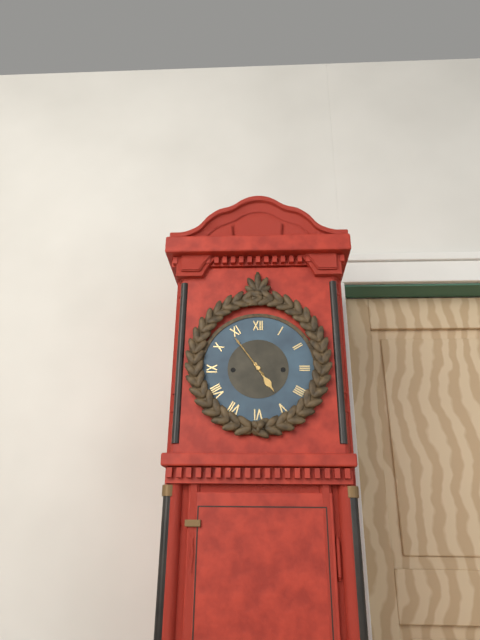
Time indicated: 4:54
